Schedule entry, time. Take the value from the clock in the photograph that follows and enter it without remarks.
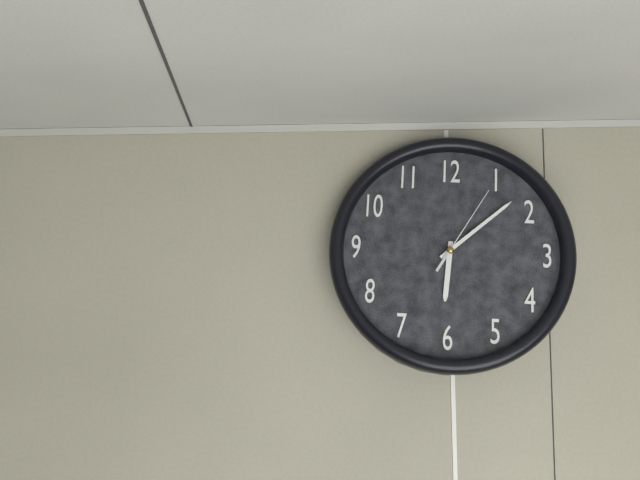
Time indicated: 6:08:05
